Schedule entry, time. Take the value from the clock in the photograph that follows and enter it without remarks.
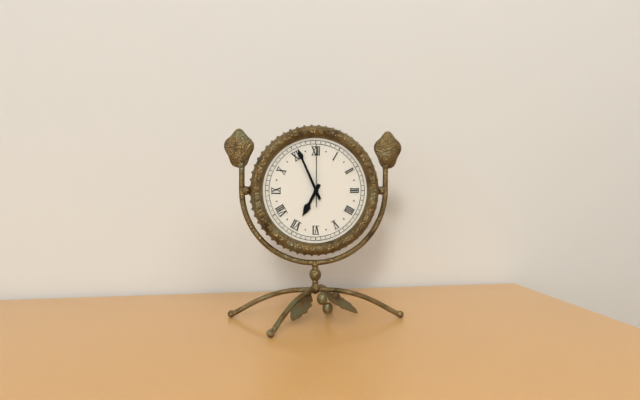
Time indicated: 6:56:00
